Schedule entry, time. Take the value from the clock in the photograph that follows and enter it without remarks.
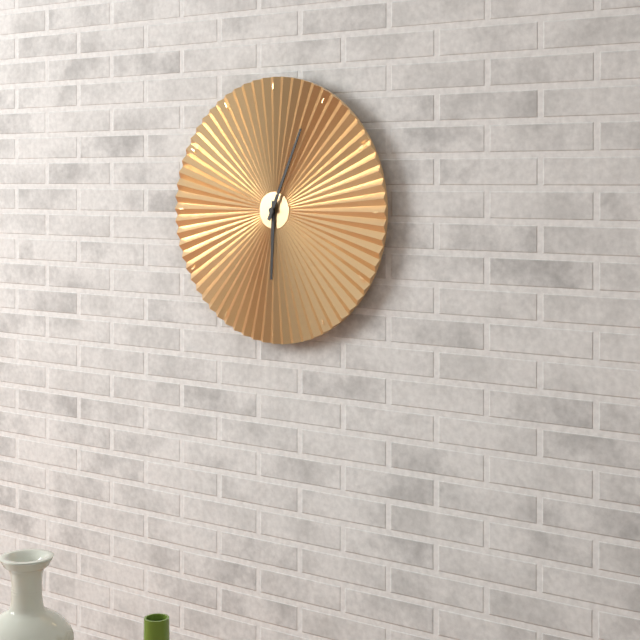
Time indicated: 6:04
